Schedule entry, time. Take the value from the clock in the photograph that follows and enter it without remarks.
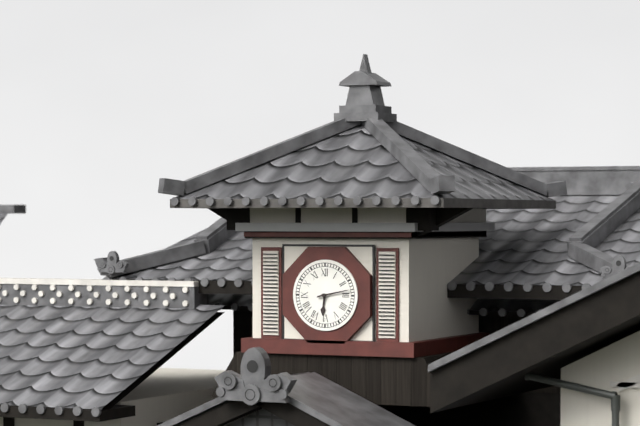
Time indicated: 6:13
